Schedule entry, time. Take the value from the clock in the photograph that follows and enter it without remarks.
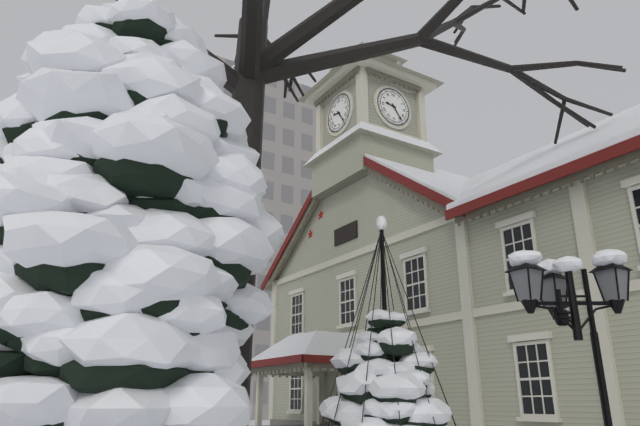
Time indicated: 9:24
